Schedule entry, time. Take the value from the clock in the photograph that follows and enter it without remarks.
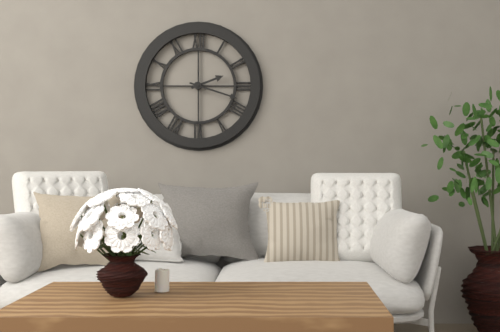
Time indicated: 2:18
